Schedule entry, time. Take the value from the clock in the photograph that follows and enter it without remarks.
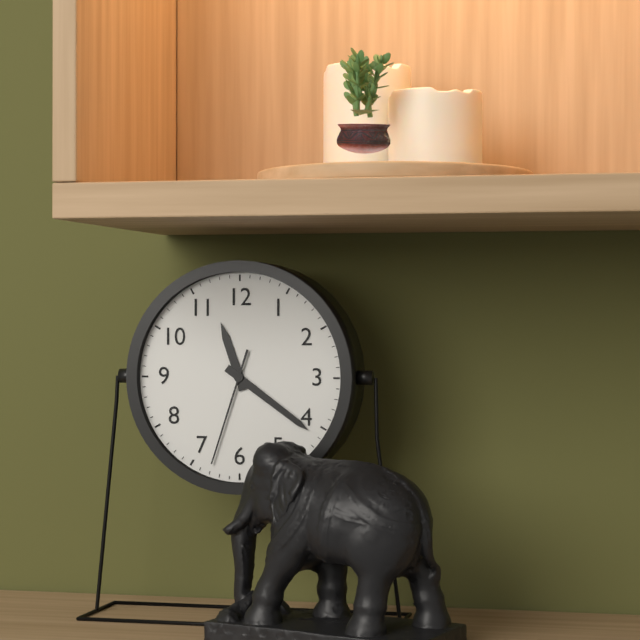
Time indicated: 11:21:33
